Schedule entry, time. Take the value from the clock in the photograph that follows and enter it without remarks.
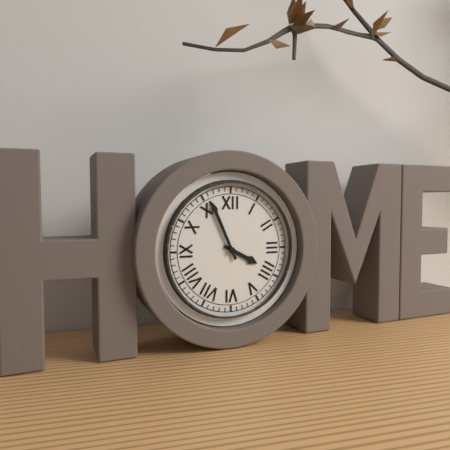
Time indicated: 3:56
